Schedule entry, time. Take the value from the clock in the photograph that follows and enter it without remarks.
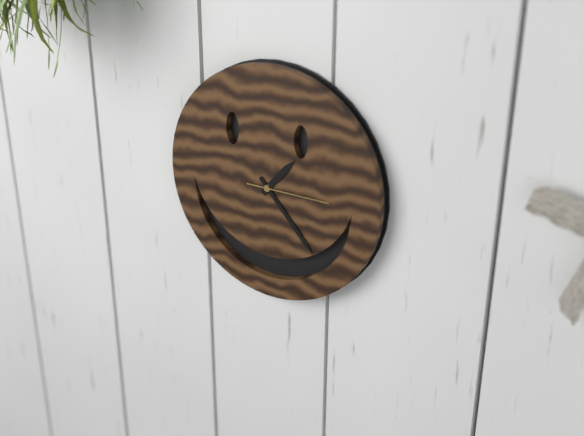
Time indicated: 1:23:15
